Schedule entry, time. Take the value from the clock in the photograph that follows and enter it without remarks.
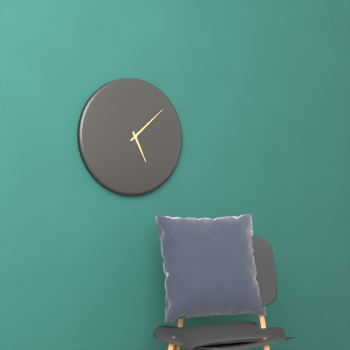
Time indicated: 5:08
